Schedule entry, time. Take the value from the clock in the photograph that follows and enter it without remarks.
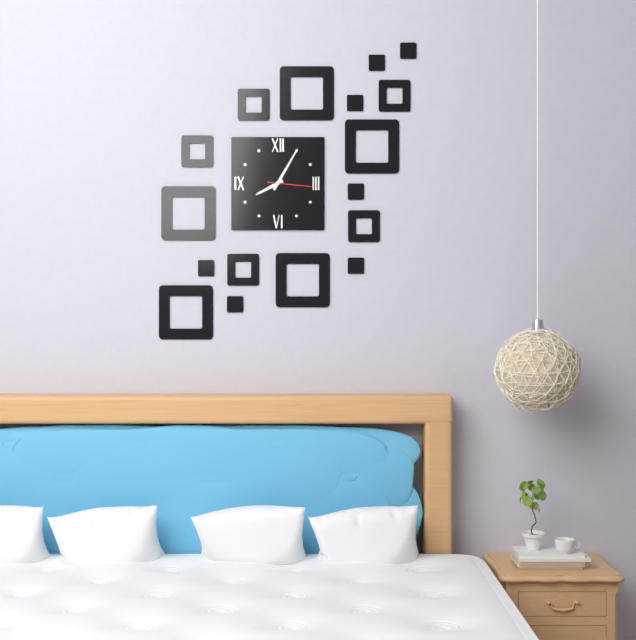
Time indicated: 8:05
